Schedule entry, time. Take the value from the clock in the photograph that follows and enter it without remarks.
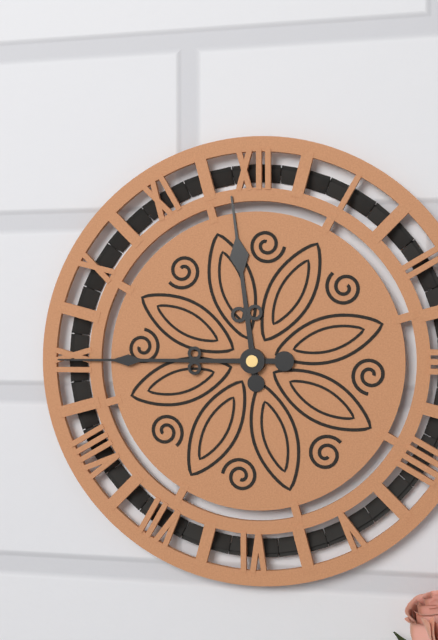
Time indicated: 11:45
